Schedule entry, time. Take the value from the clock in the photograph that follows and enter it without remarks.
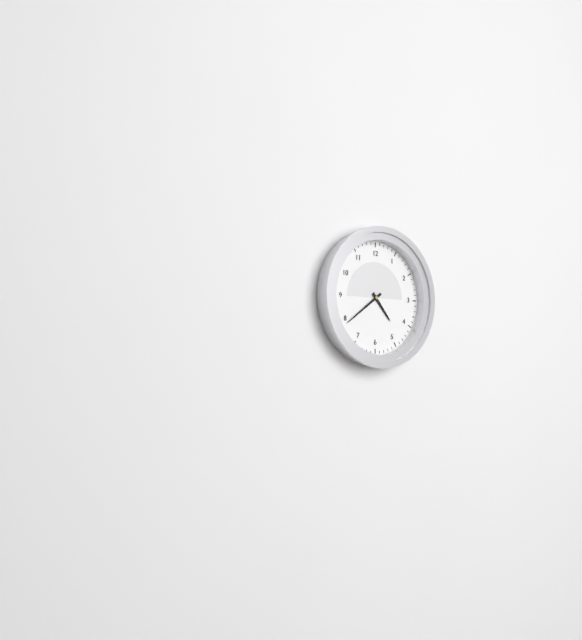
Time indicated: 4:39
